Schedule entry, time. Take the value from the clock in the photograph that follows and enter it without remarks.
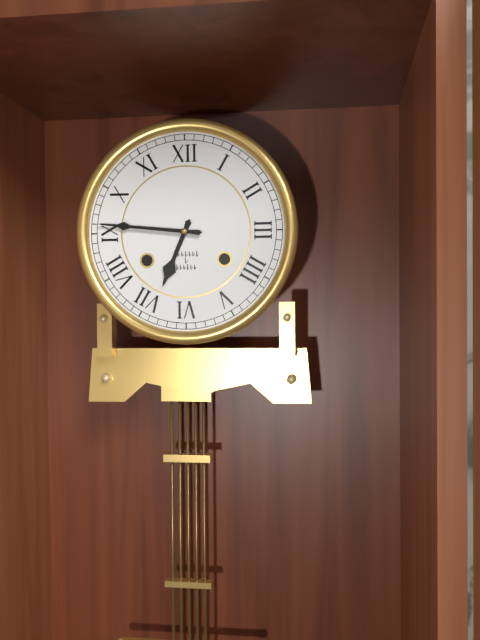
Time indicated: 6:46
